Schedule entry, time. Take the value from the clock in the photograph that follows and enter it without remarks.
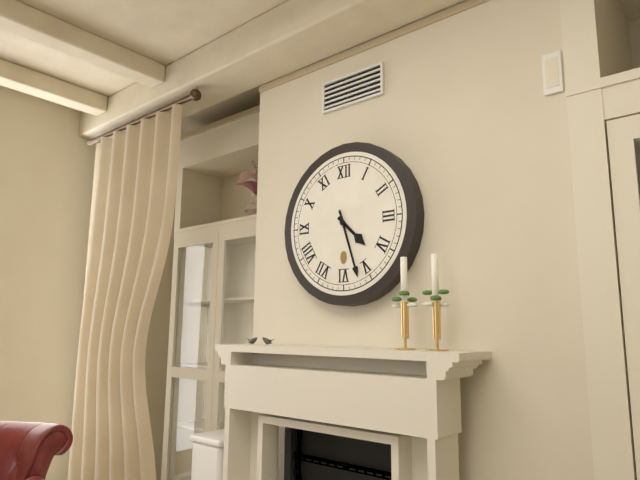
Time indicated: 4:27
